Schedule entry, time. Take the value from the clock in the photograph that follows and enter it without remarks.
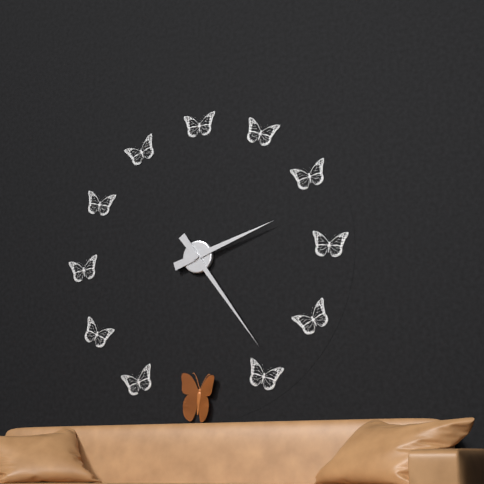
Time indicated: 2:24
